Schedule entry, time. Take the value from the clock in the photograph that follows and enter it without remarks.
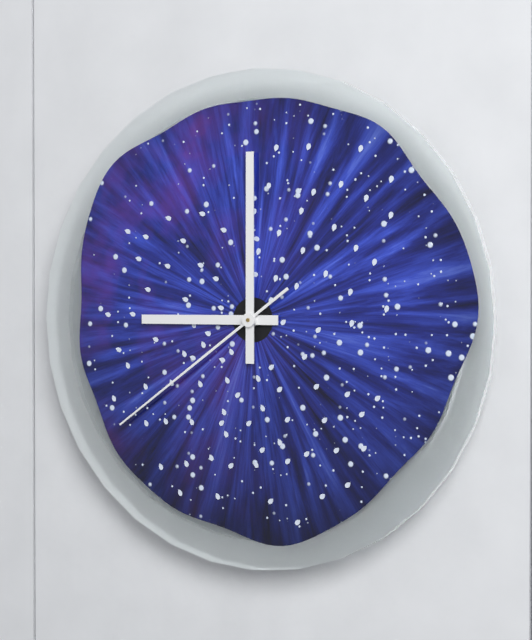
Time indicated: 9:00:39
